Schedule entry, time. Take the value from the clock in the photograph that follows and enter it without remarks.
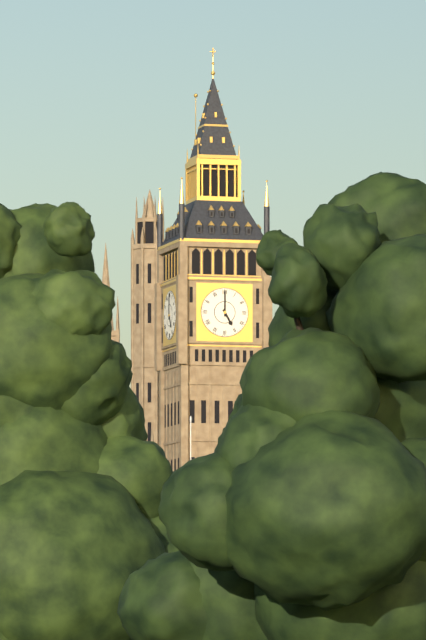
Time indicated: 5:00
